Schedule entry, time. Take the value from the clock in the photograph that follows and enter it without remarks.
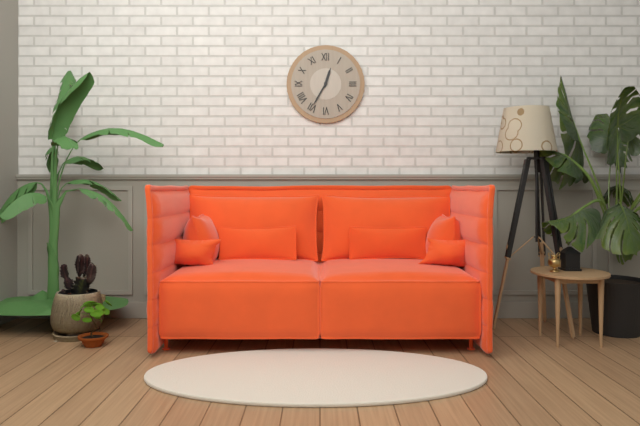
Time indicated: 12:35
